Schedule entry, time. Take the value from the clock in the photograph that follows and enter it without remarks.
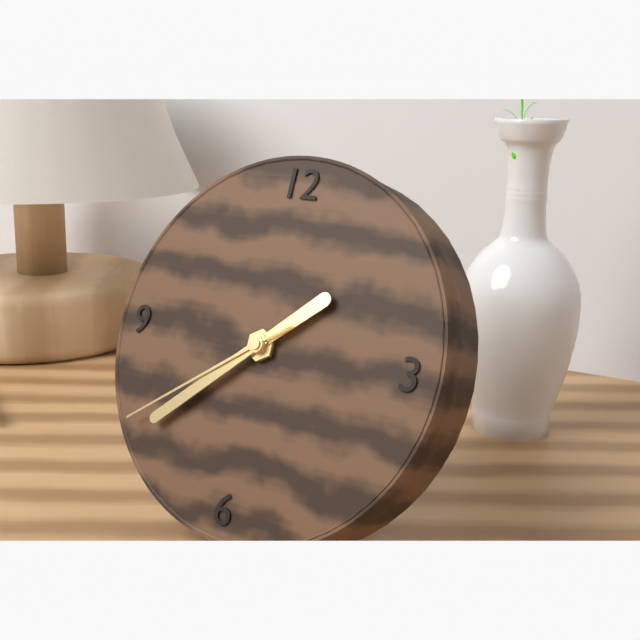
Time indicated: 1:38:39
